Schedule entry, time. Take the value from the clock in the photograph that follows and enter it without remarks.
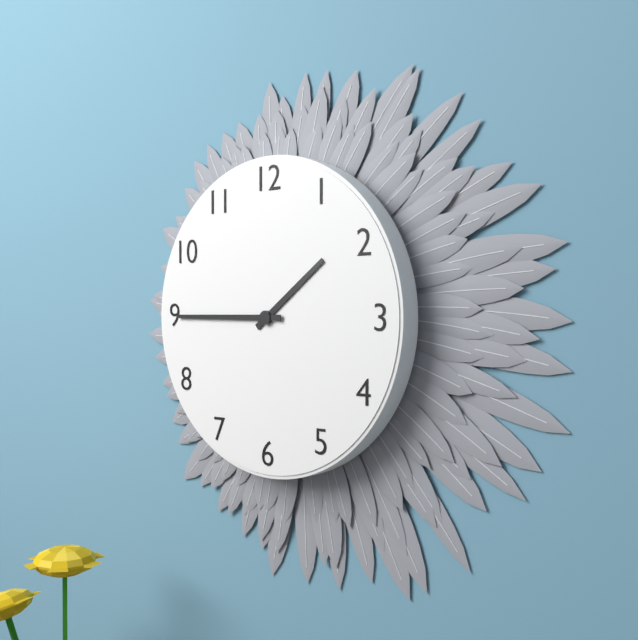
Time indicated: 1:45
